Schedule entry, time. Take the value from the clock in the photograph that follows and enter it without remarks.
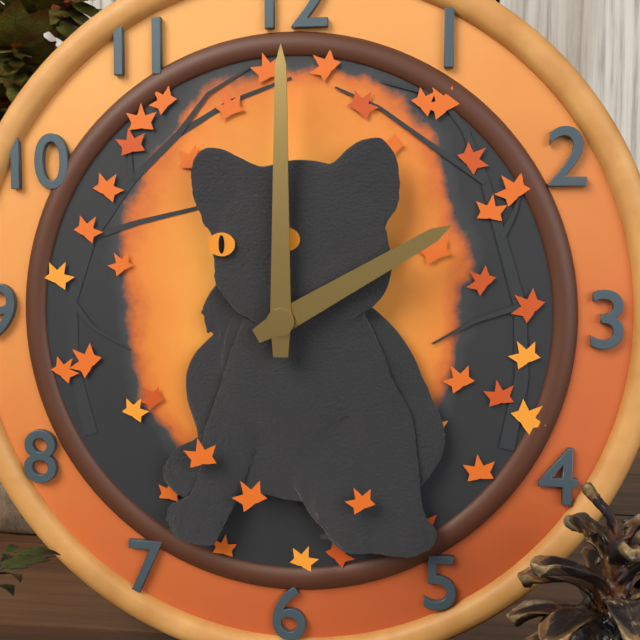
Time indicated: 2:00
